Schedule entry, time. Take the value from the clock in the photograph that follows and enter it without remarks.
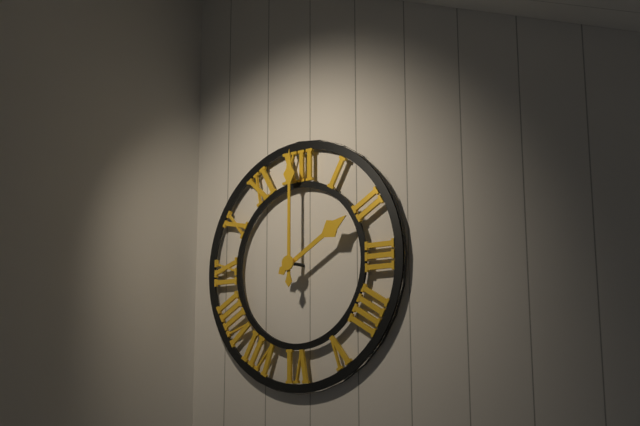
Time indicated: 2:00
